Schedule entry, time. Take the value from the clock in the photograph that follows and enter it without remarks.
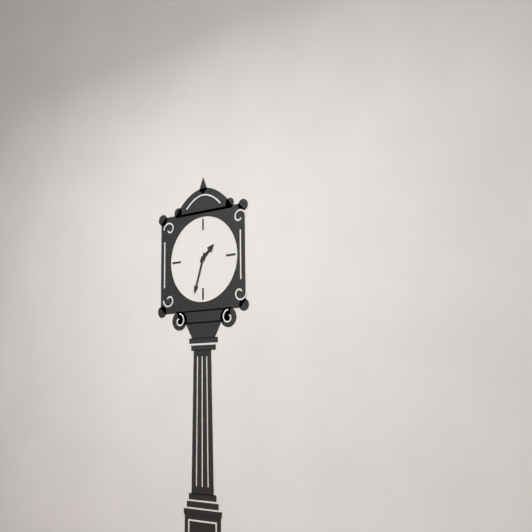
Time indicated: 1:33
